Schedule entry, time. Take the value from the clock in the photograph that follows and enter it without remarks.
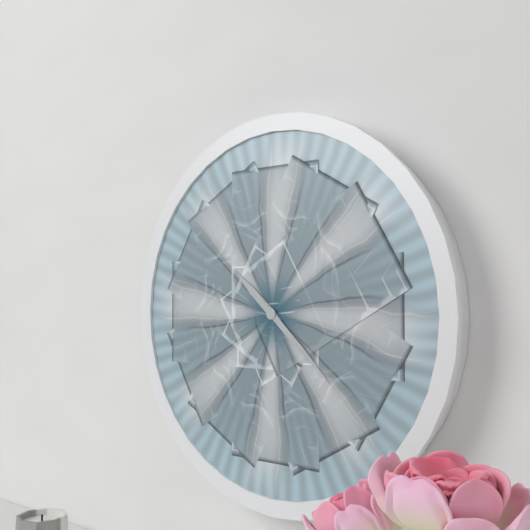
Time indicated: 10:22
